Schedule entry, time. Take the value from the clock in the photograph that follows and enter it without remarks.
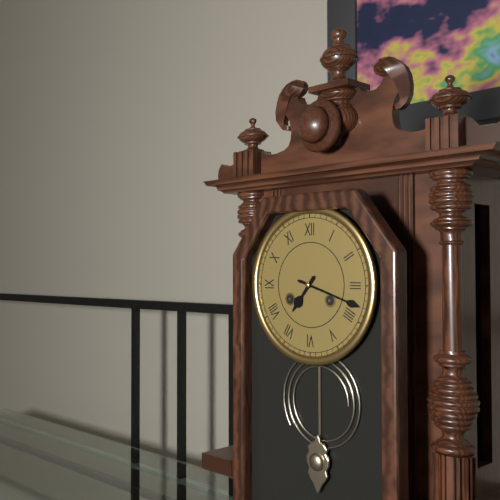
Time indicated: 7:18
